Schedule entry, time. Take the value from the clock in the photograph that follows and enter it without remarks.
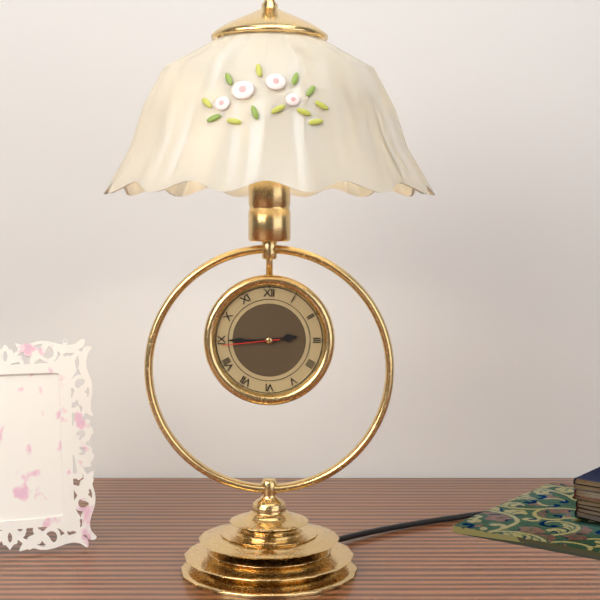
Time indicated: 2:45:44
